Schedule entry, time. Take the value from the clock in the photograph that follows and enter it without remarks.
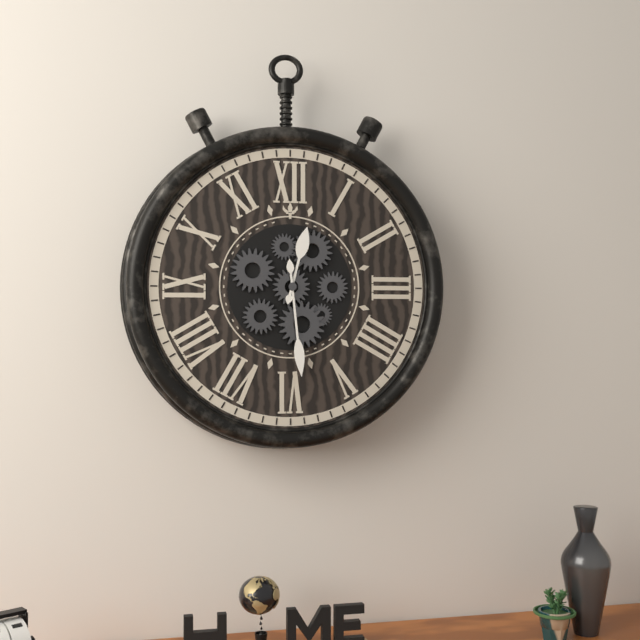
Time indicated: 12:29
